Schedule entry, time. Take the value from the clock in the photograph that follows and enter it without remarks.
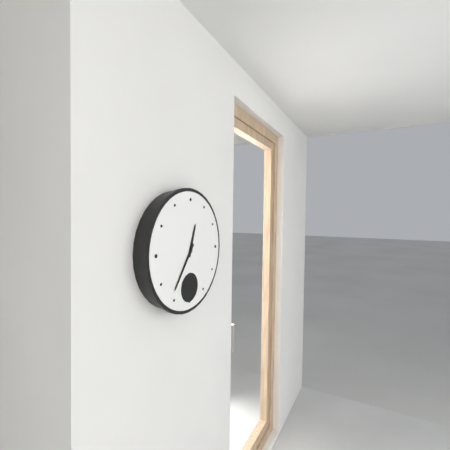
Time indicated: 12:36
